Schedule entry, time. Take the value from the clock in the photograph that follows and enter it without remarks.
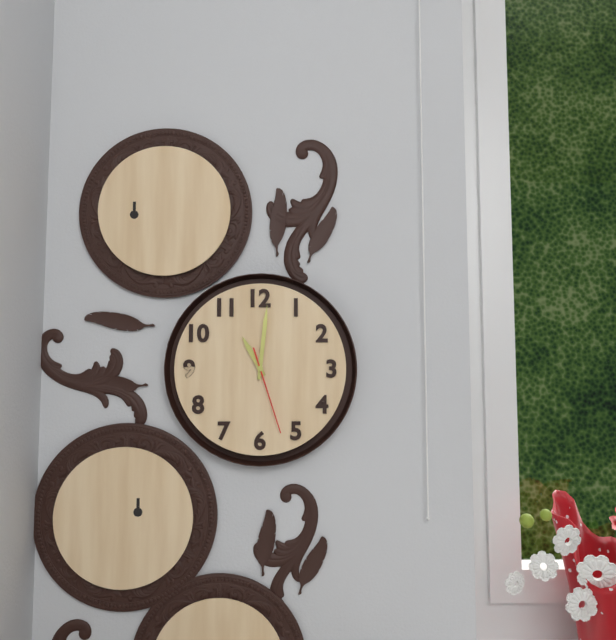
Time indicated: 11:01:27
